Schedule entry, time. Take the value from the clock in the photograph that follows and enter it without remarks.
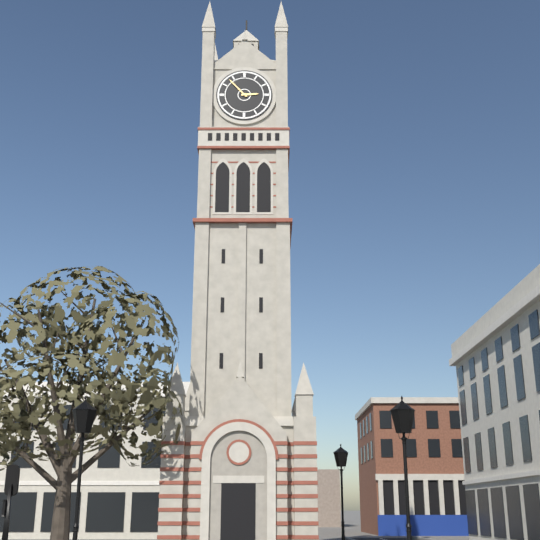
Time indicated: 2:53
